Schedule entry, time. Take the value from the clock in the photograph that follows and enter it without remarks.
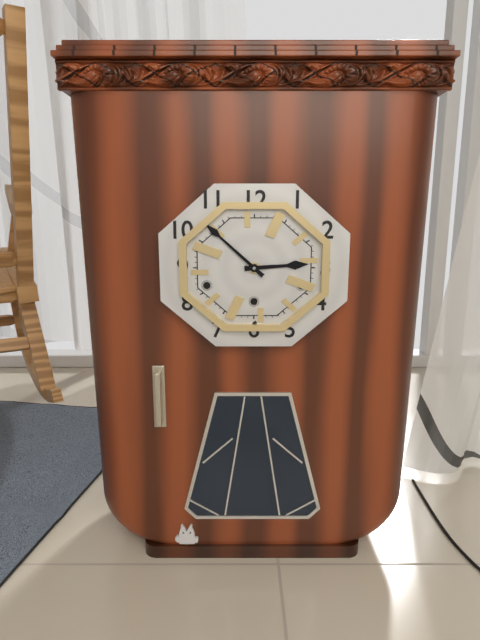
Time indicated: 2:52
